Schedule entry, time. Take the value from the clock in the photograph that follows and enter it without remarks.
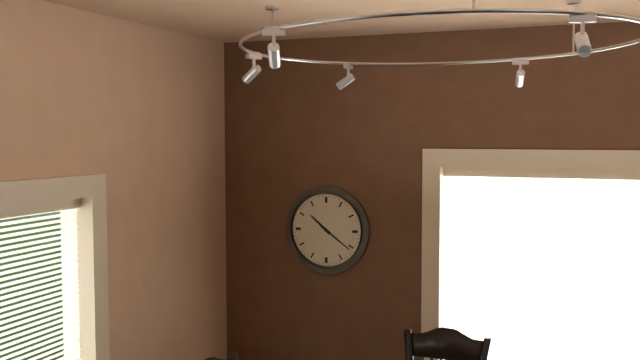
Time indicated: 10:21
